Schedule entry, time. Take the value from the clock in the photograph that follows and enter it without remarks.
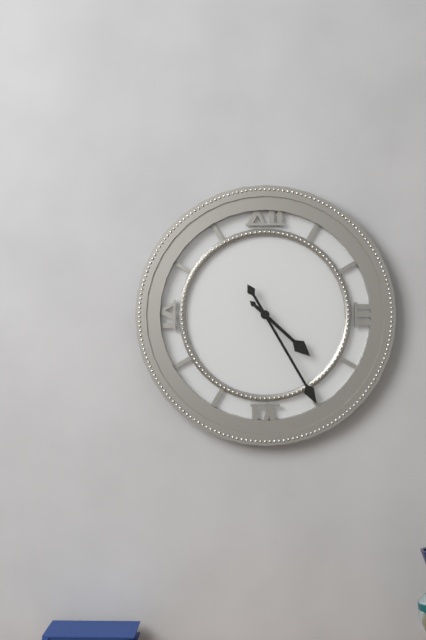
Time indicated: 4:25
